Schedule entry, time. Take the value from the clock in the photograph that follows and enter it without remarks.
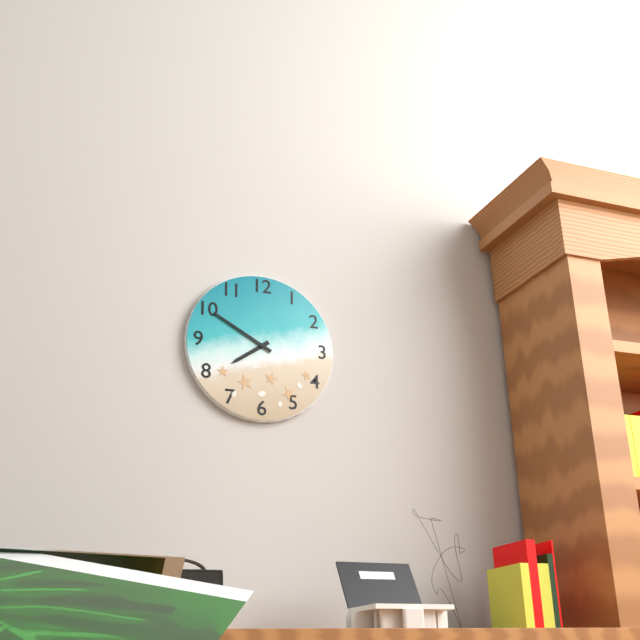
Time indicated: 7:50
